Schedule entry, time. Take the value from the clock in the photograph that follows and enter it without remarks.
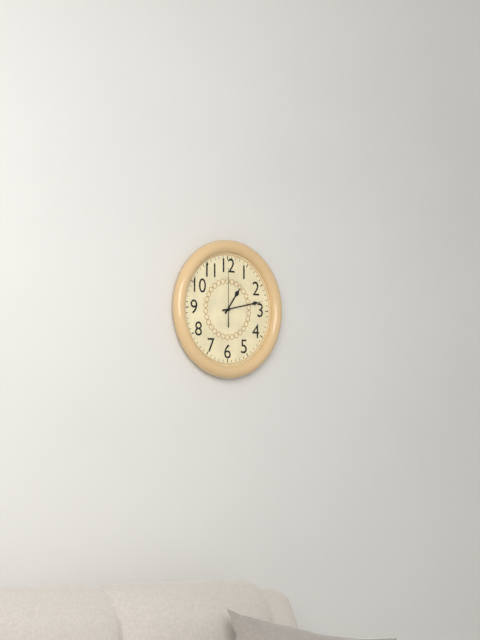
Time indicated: 1:13:00
